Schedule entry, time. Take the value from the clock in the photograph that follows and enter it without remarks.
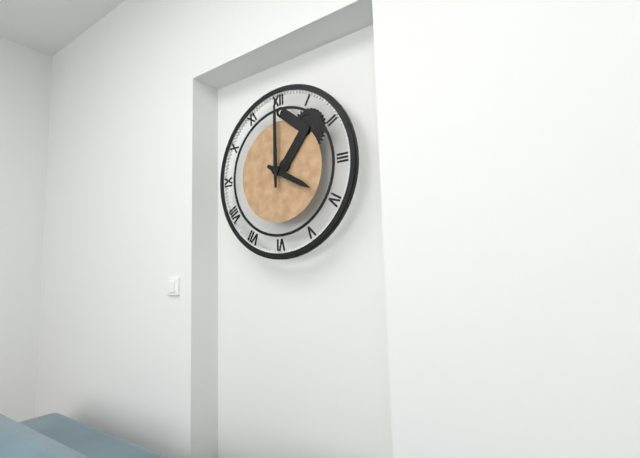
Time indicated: 4:00
